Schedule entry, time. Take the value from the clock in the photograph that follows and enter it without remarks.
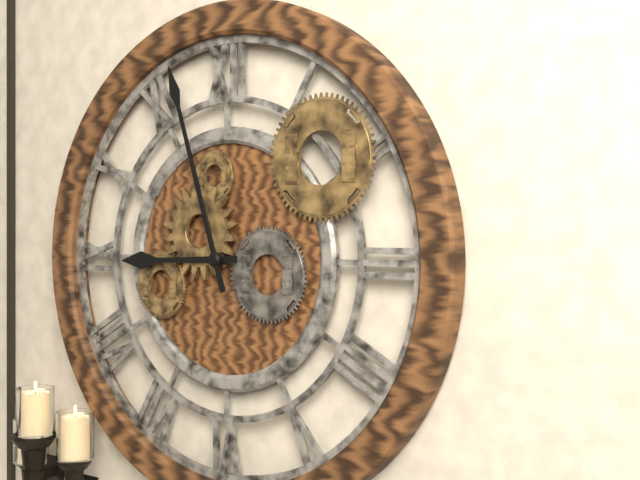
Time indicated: 8:57
